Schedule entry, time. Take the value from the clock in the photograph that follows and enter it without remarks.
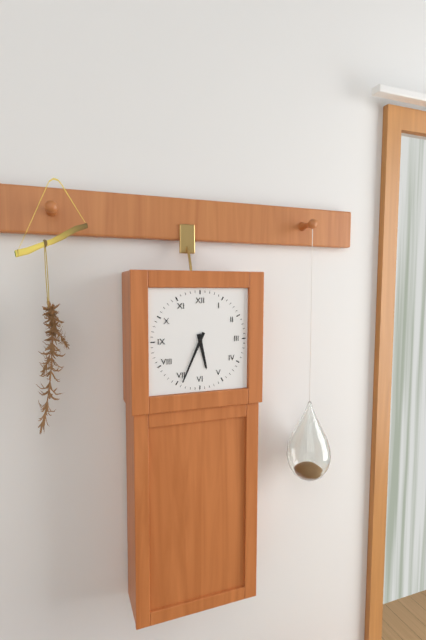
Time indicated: 5:34
